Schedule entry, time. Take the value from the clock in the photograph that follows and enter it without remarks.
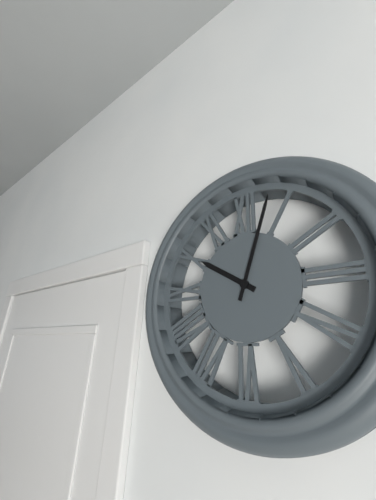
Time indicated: 10:03
